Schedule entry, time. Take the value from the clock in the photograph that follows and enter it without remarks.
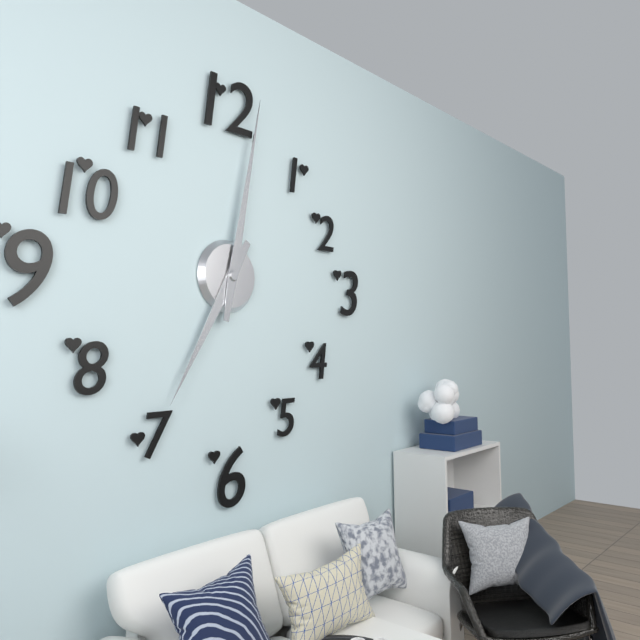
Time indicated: 7:02
